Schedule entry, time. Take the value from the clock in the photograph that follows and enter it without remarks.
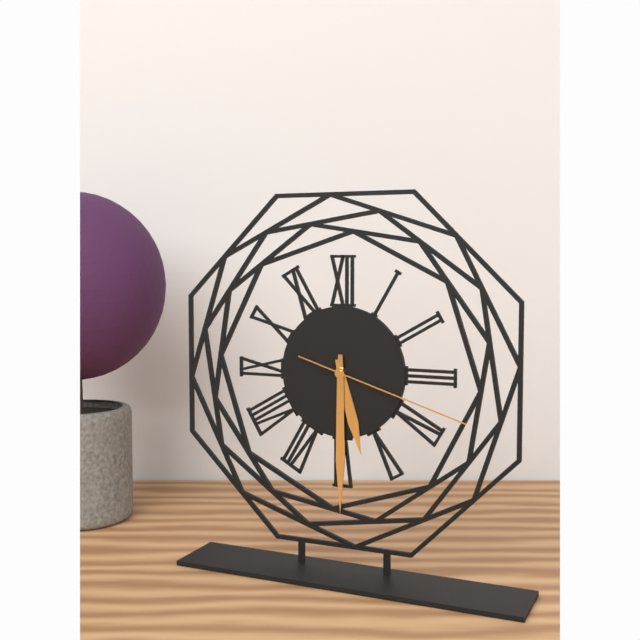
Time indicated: 5:30:18
